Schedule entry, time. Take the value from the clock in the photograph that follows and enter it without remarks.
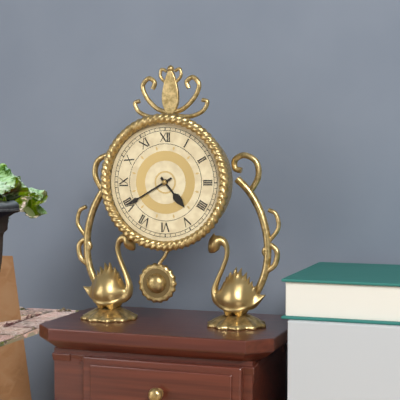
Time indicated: 4:40
